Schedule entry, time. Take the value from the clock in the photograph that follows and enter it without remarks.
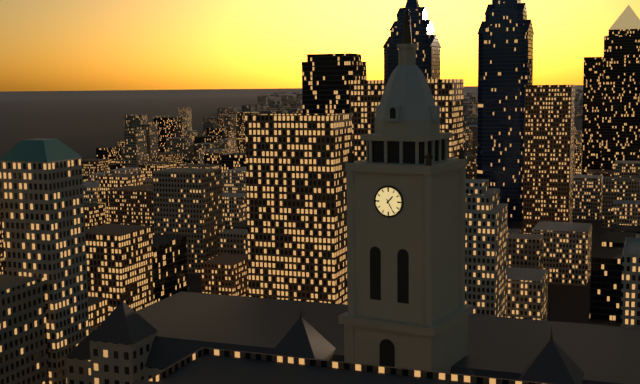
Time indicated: 1:25
